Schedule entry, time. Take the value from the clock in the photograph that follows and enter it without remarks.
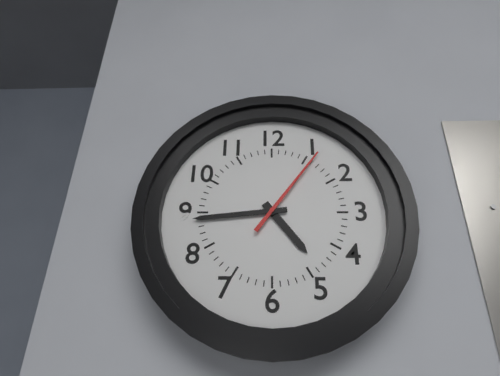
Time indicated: 4:44:06
